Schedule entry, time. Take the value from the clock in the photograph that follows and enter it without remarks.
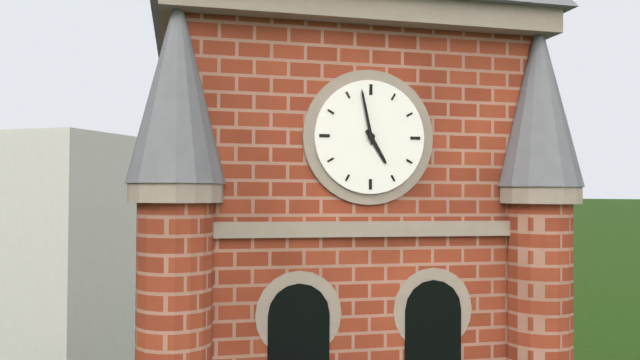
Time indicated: 4:58
